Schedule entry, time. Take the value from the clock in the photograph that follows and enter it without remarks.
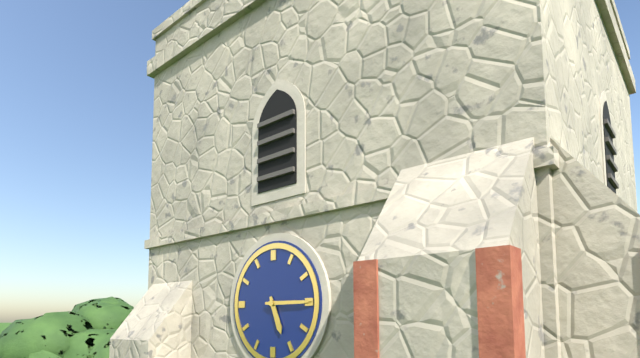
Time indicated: 5:15
